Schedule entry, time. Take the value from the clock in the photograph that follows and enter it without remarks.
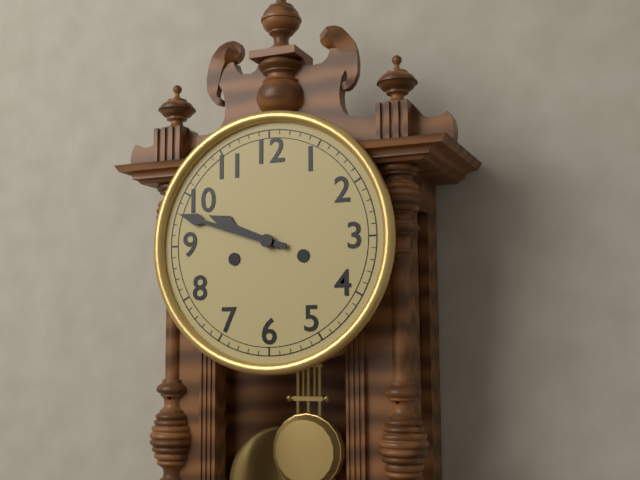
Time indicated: 9:48
